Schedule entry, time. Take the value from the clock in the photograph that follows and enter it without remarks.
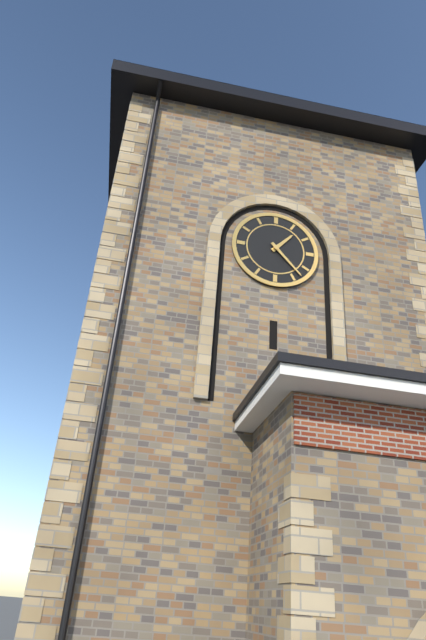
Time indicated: 1:23
